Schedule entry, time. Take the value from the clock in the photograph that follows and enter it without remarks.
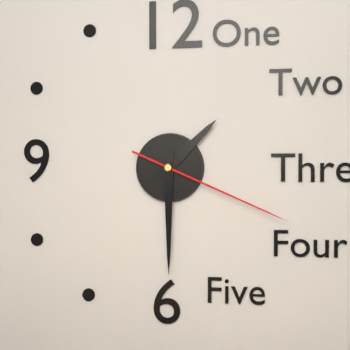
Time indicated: 1:30:19
